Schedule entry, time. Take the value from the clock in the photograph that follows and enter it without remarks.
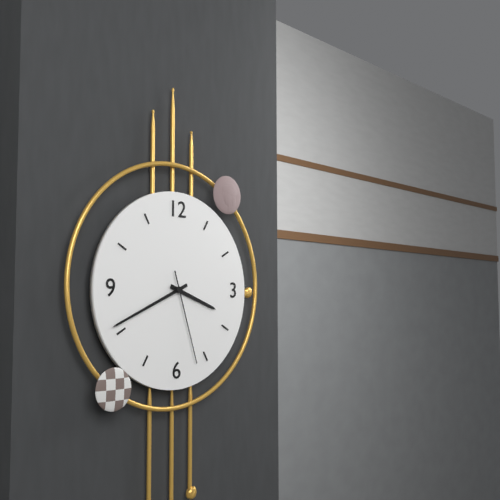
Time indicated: 3:41:27
